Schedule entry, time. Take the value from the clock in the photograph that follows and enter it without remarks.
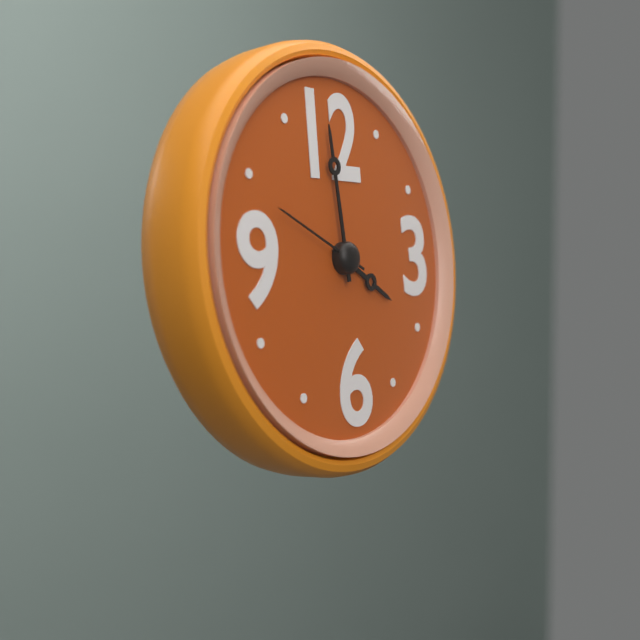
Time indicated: 3:59:49
